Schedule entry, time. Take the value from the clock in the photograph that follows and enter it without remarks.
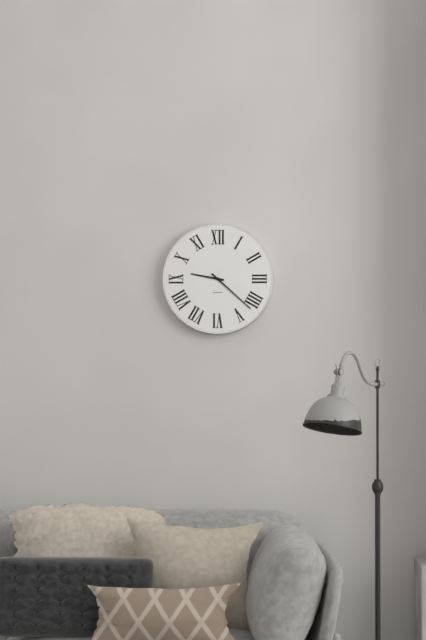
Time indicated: 9:22
